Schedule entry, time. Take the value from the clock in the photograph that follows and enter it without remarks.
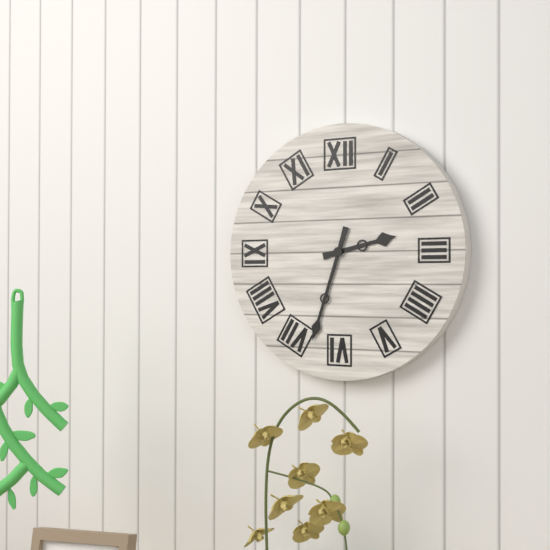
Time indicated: 2:33
